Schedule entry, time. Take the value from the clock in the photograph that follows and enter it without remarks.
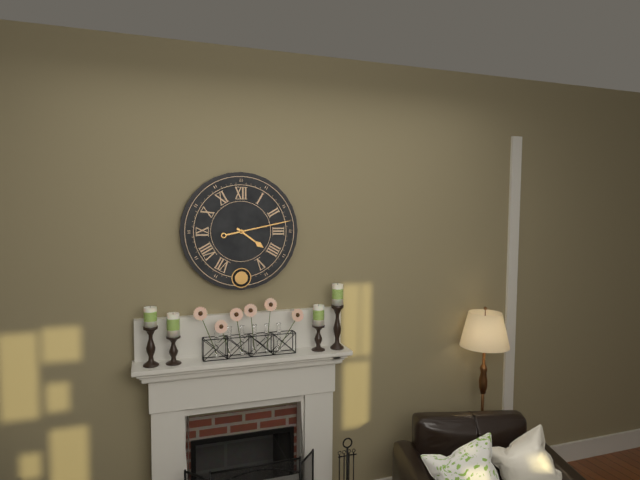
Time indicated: 4:13
